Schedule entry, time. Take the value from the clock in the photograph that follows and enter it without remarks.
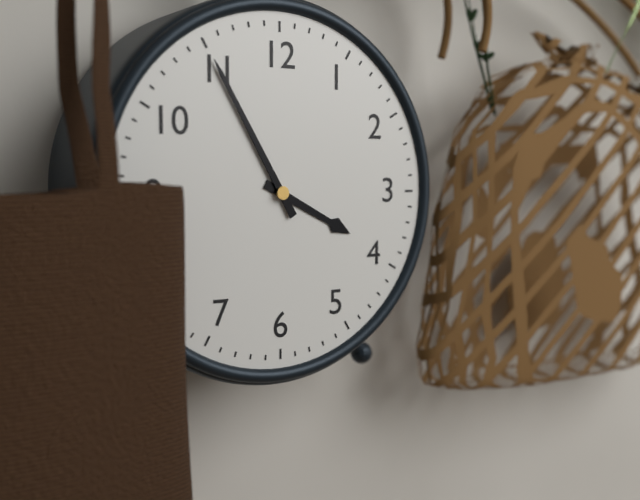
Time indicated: 3:55
